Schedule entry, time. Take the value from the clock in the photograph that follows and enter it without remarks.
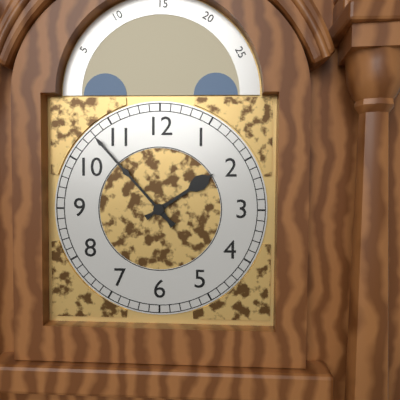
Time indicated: 1:53
